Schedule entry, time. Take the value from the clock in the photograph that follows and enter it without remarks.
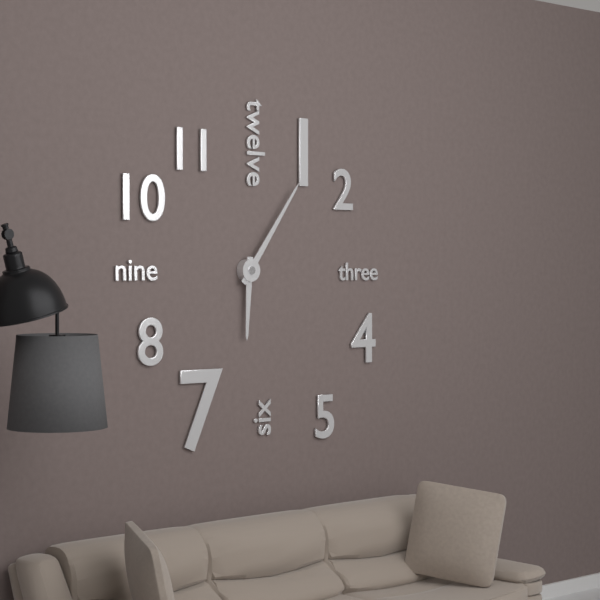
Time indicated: 6:06
